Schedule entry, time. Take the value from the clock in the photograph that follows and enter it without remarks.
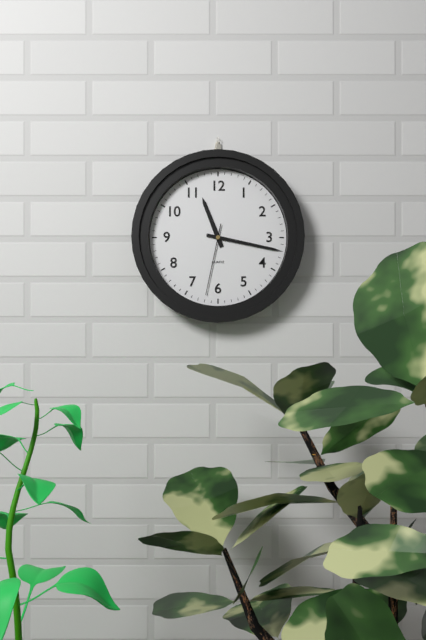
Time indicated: 11:17:32
